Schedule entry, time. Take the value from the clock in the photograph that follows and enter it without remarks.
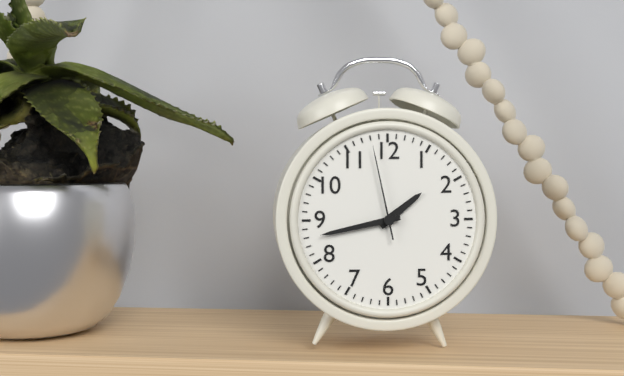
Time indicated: 1:43:58
